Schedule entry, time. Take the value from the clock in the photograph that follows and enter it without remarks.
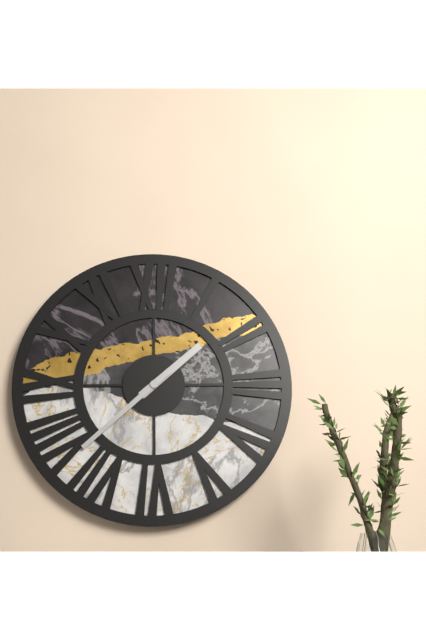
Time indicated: 1:38
